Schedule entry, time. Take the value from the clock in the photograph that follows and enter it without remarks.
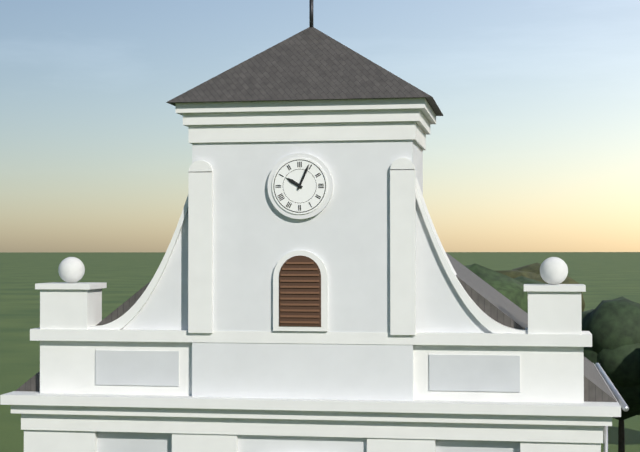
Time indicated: 10:04
